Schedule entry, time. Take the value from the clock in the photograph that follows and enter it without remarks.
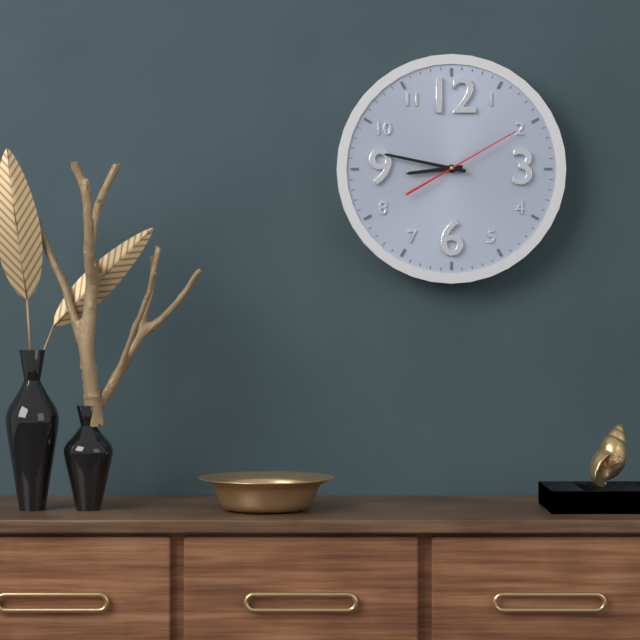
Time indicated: 8:47:10
